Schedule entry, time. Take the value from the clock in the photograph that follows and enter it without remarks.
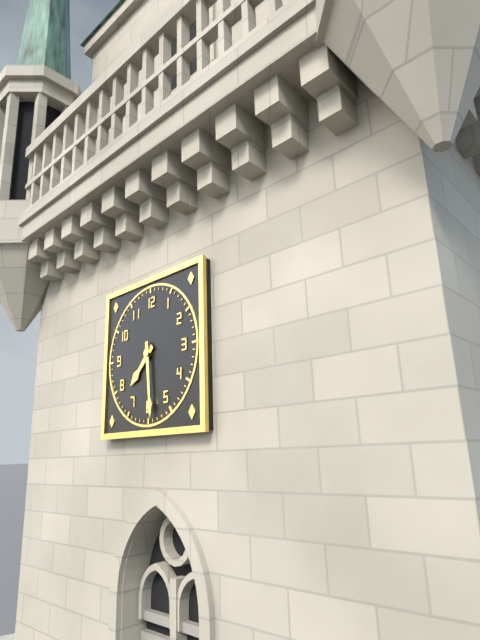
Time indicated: 7:29
